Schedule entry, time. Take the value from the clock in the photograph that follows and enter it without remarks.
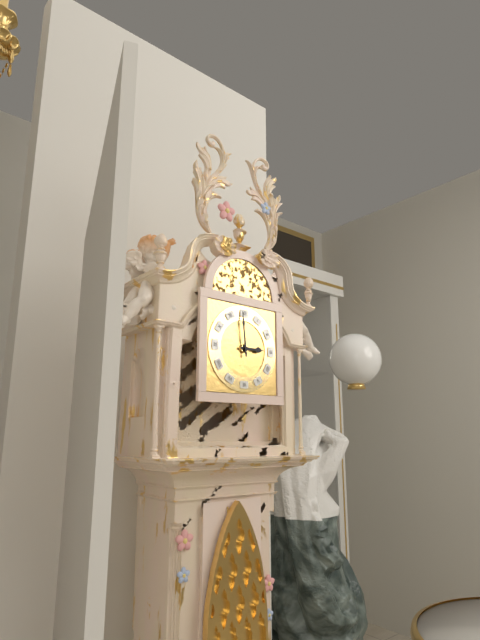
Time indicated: 2:59
